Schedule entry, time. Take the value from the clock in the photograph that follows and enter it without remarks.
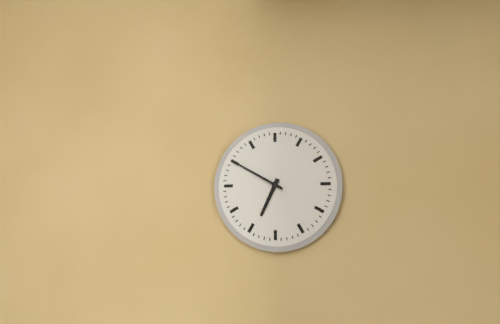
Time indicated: 6:50
